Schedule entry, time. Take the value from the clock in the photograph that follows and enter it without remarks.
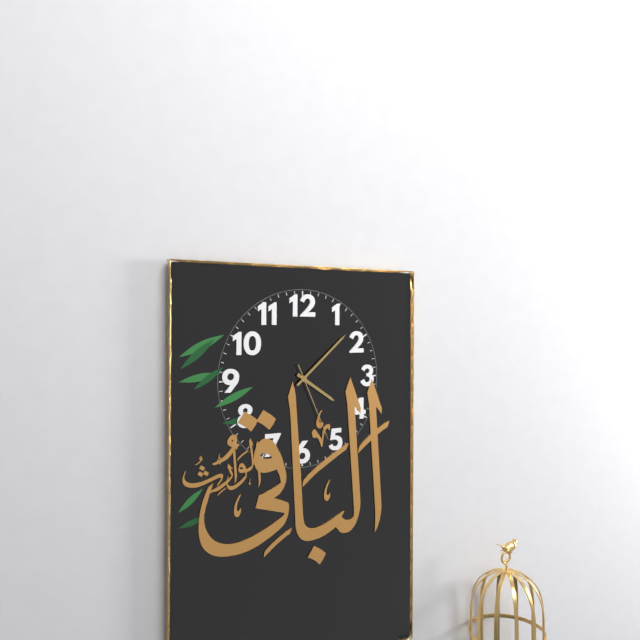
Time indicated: 4:08:26
